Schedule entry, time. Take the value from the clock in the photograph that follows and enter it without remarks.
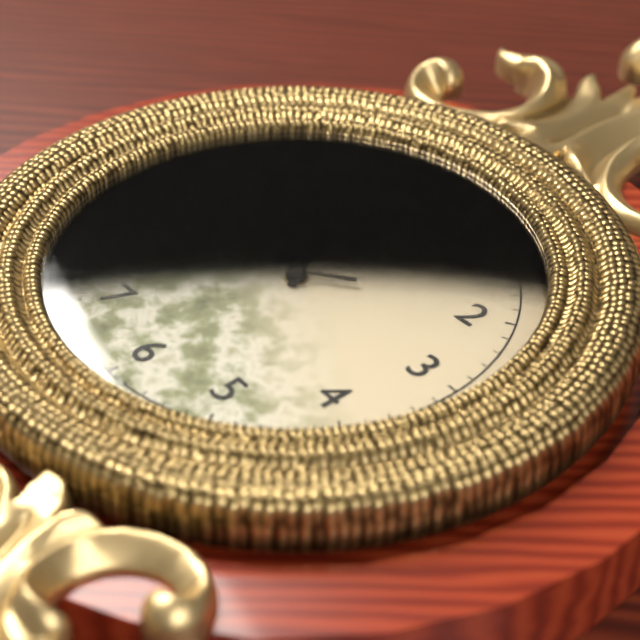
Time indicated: 10:49:39
